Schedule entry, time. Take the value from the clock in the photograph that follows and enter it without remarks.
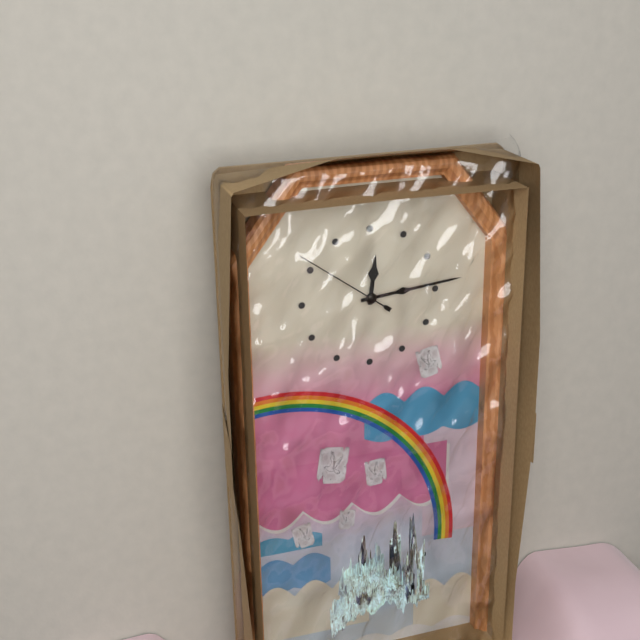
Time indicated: 12:14:51
